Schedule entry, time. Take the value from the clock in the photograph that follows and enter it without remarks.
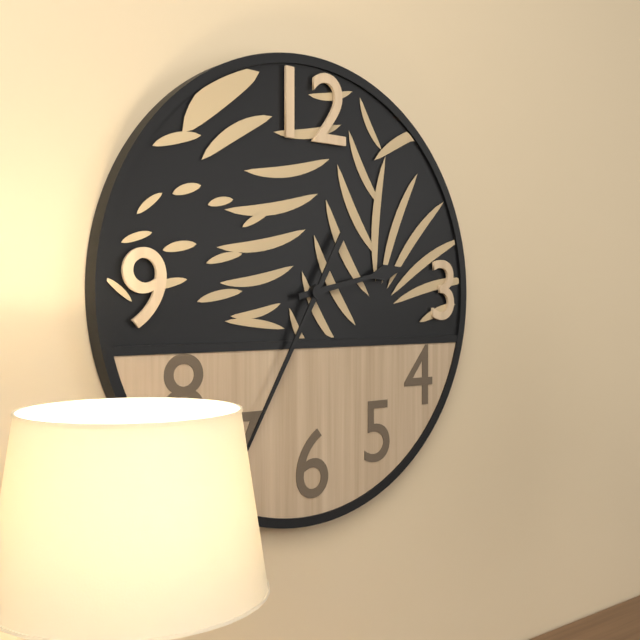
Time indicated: 2:35
